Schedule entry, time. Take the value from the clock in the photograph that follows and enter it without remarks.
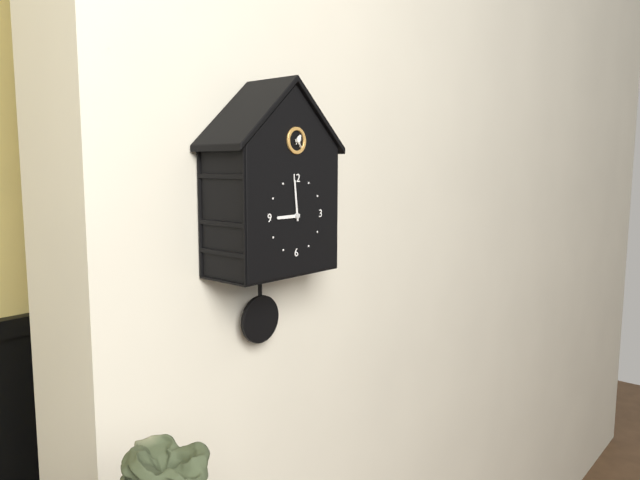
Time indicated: 8:59
